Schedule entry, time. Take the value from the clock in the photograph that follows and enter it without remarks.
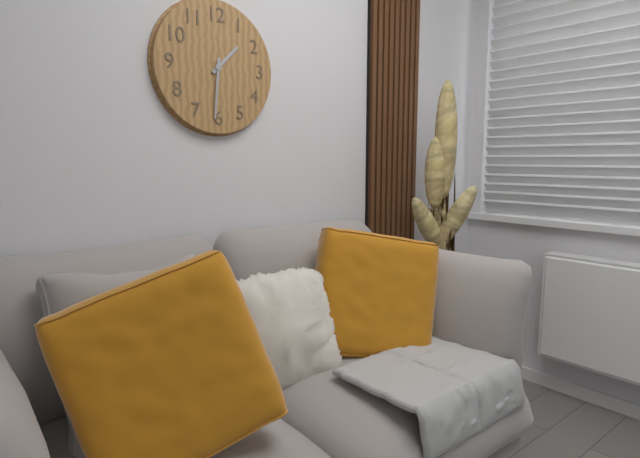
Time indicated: 1:31
